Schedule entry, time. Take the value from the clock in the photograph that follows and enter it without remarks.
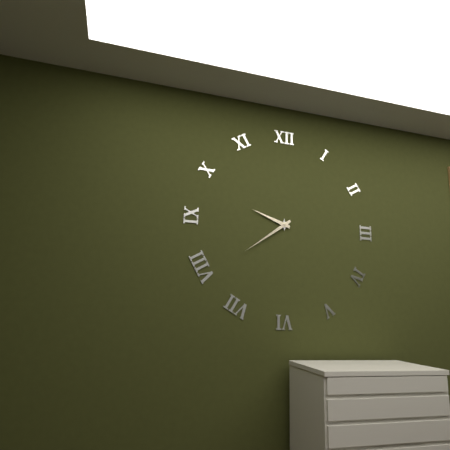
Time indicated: 9:39
